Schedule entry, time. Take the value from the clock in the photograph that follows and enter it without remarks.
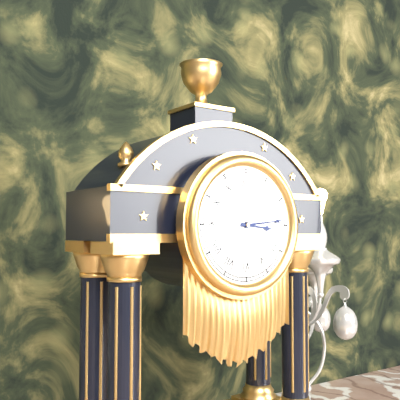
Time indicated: 3:14
